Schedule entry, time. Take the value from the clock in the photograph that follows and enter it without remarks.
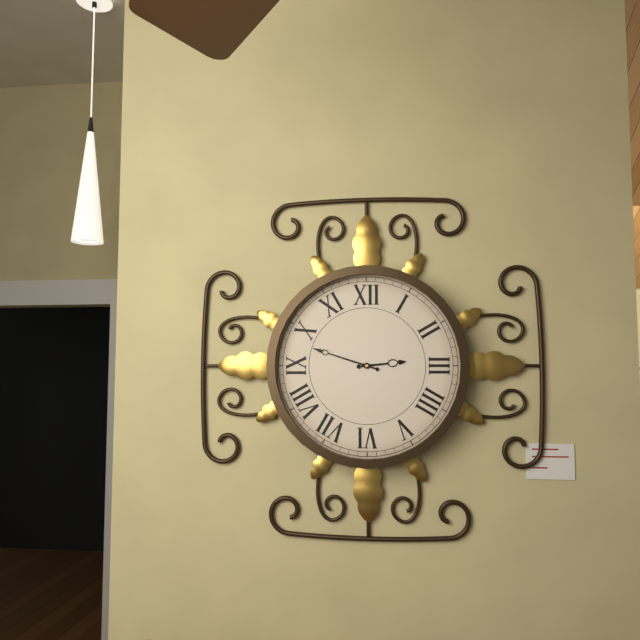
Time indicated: 2:48
